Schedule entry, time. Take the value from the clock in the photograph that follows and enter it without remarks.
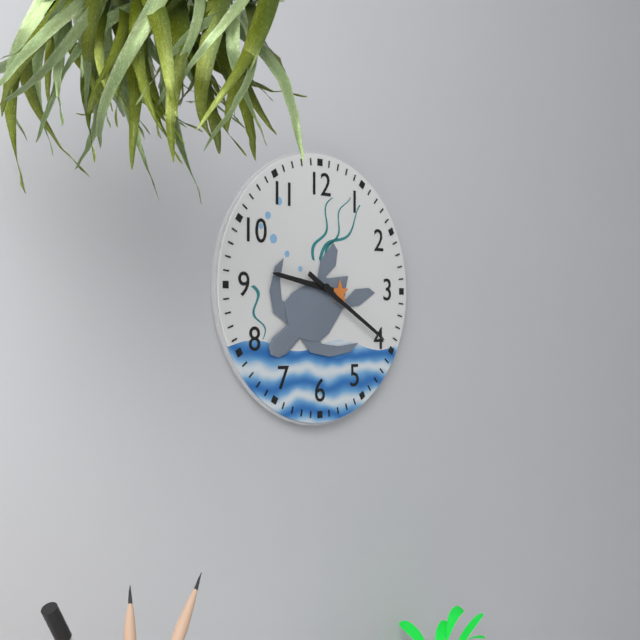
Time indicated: 9:20
